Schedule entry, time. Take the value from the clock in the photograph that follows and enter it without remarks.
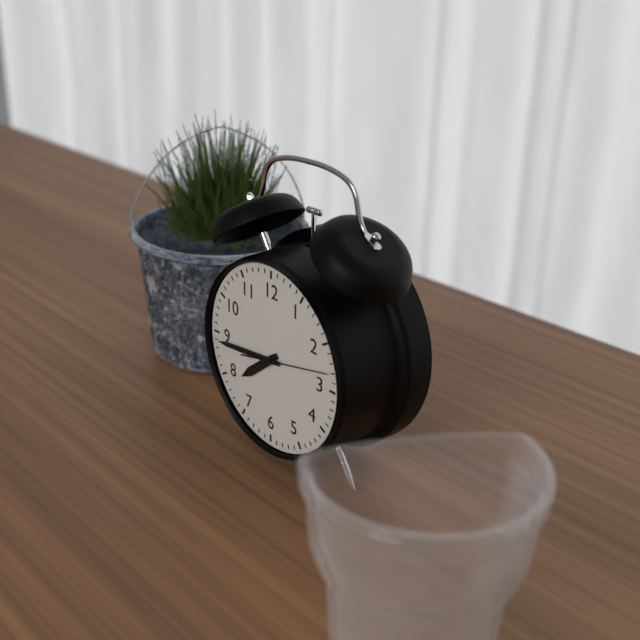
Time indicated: 7:44:13
